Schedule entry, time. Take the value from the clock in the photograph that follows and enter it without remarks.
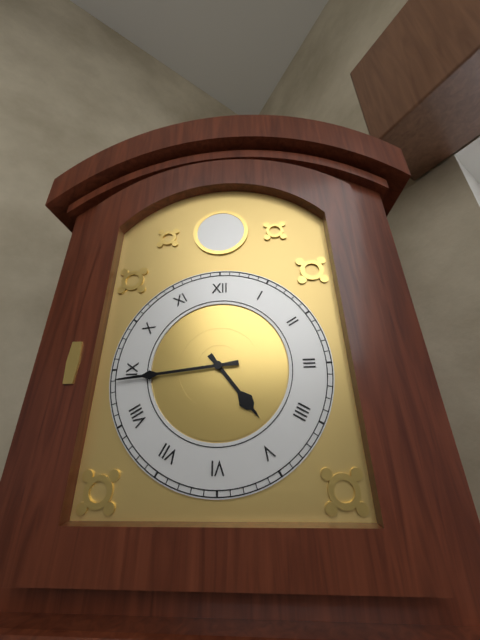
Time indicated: 4:44
